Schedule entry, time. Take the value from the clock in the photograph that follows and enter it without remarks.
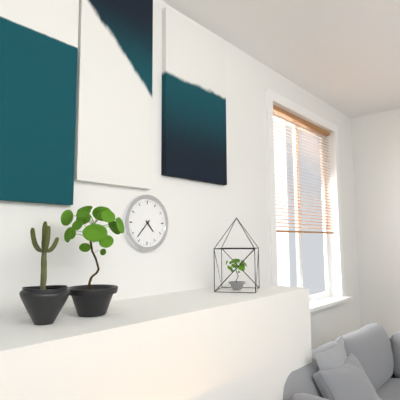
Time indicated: 4:37
